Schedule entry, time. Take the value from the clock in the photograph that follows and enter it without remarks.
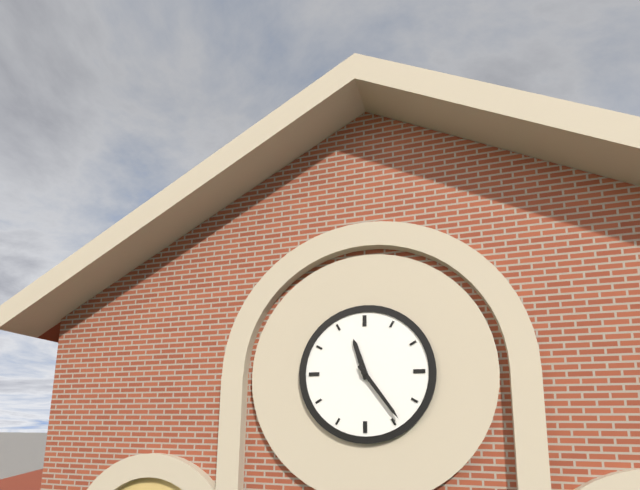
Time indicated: 11:24
